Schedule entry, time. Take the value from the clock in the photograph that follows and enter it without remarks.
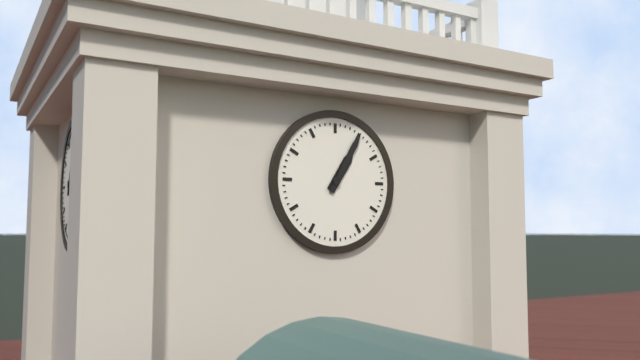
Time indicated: 1:05
